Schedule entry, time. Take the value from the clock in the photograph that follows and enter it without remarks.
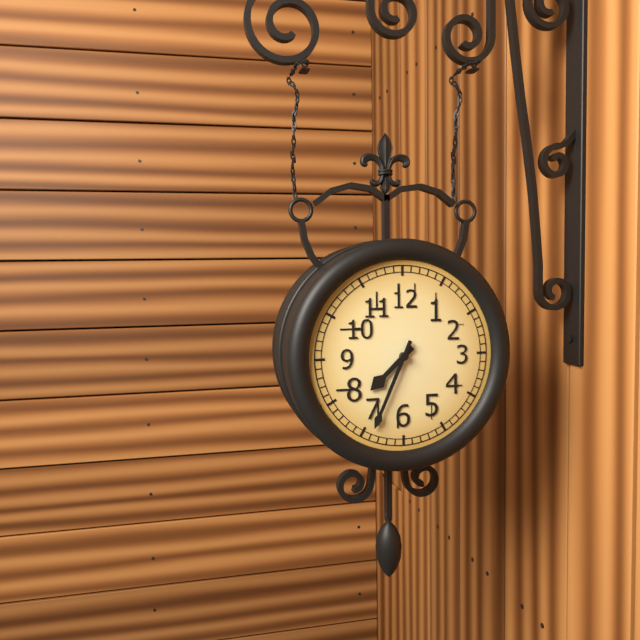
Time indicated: 7:34
